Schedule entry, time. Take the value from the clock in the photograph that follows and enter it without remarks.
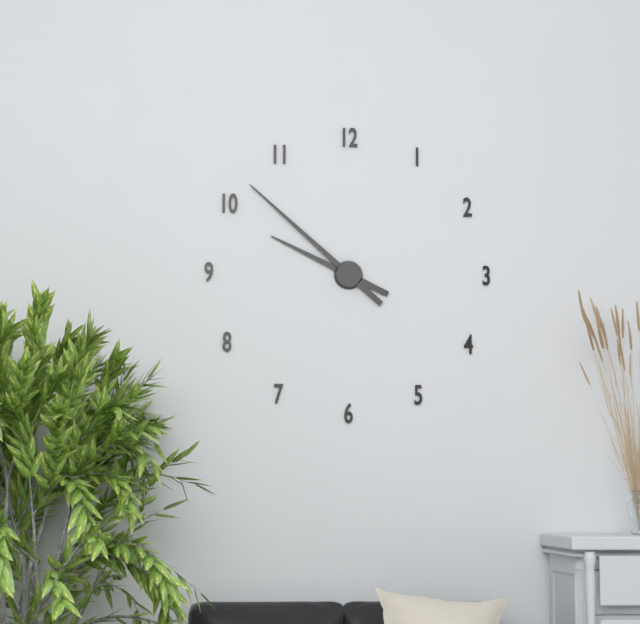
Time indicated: 9:52
